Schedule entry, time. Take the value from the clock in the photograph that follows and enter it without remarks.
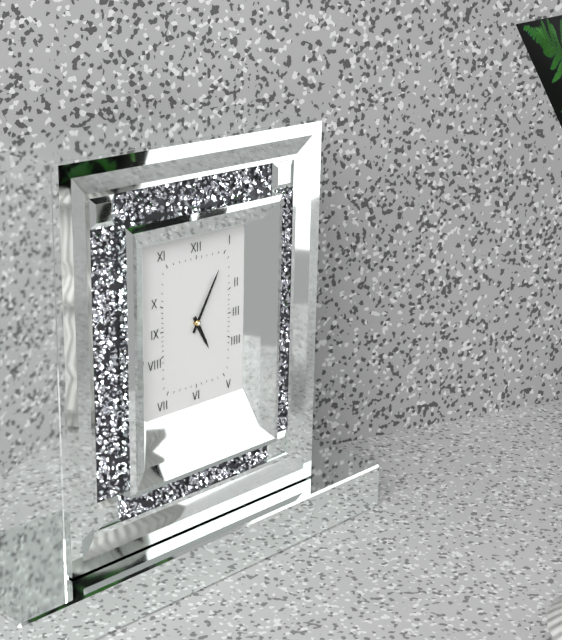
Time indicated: 5:05
